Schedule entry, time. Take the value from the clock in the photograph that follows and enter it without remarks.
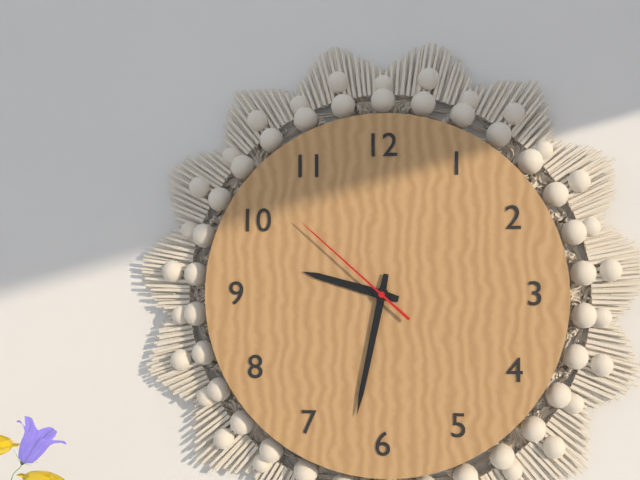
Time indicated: 9:32:52
